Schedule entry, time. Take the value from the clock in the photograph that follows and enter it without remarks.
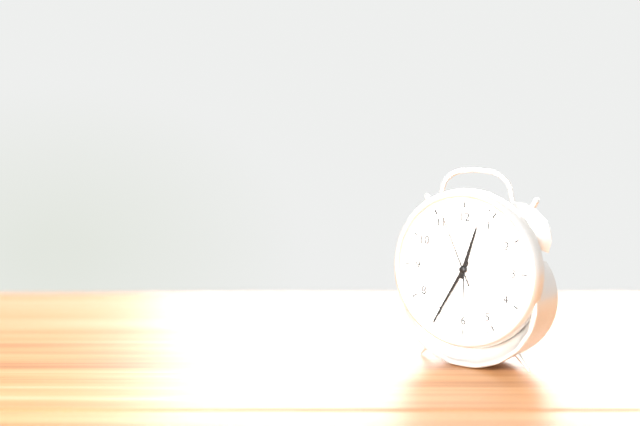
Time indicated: 12:35:56
